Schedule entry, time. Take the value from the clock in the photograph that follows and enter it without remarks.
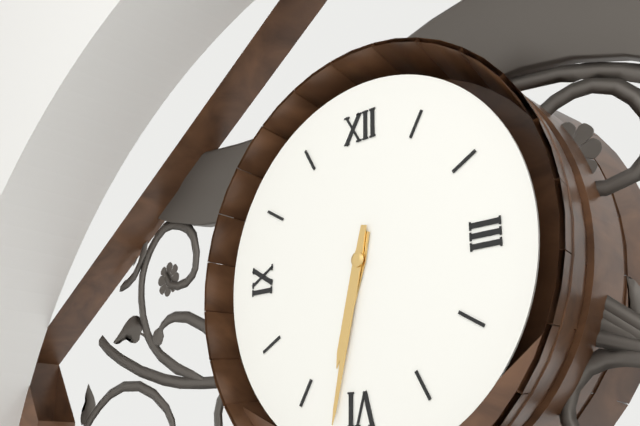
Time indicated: 6:32
